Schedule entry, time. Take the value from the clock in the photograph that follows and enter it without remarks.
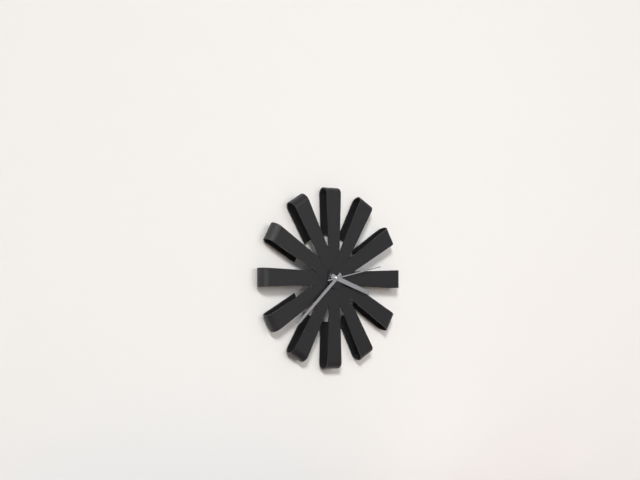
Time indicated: 3:38:13
